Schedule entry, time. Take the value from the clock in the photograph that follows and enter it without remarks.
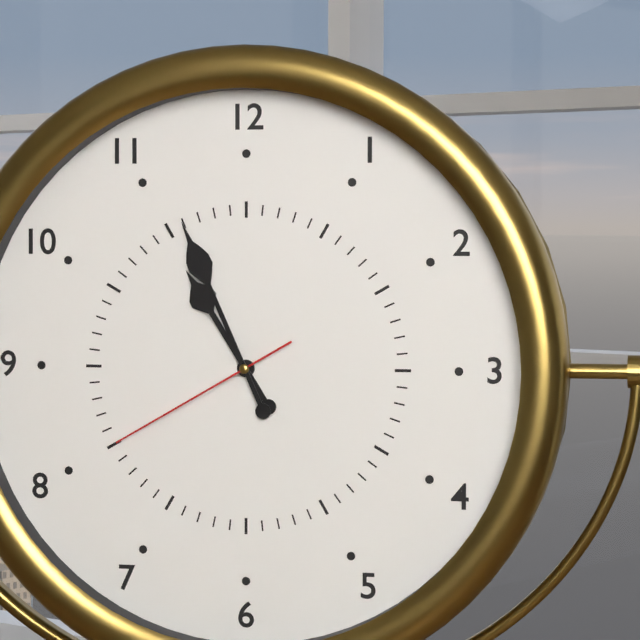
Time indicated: 10:56:40
